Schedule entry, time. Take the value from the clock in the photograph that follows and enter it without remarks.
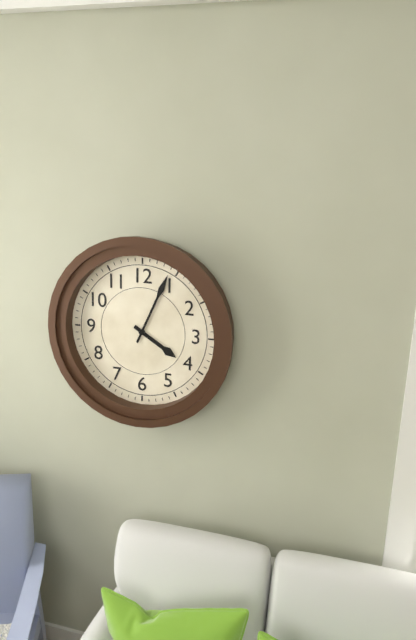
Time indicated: 4:04
